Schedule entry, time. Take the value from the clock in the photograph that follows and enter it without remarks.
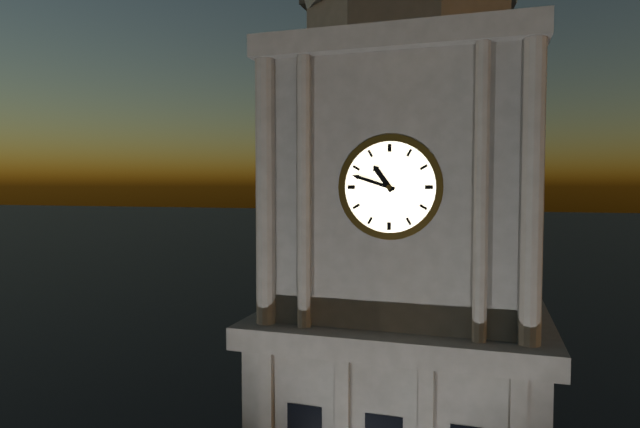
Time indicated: 10:48
